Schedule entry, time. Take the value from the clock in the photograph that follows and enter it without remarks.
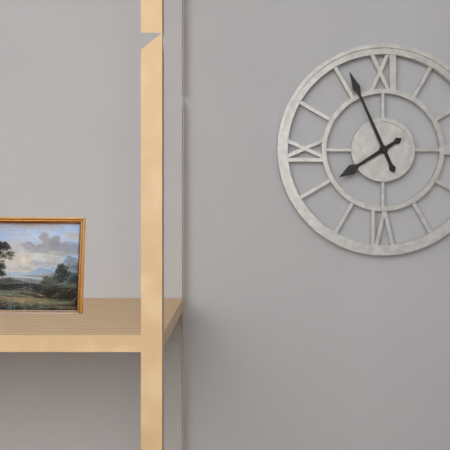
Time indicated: 7:56
